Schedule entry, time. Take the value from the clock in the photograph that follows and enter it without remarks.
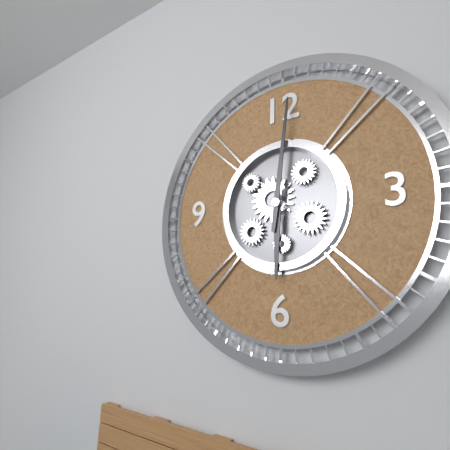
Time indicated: 6:01
